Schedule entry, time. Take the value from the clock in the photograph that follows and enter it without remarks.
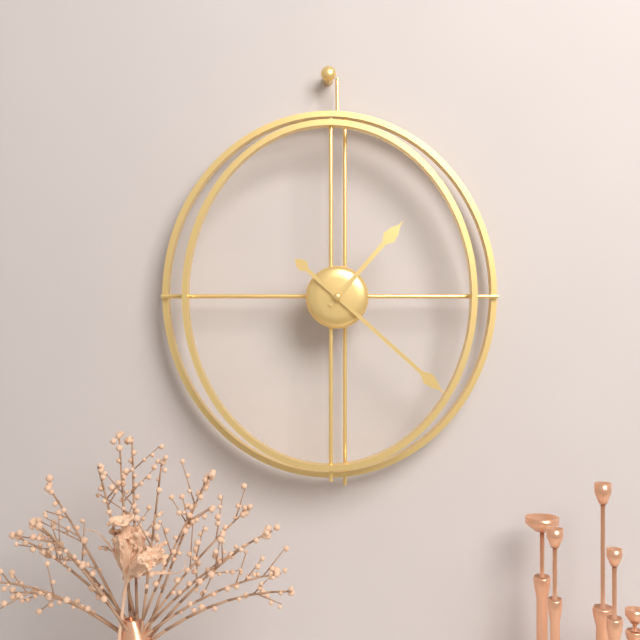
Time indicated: 1:22
